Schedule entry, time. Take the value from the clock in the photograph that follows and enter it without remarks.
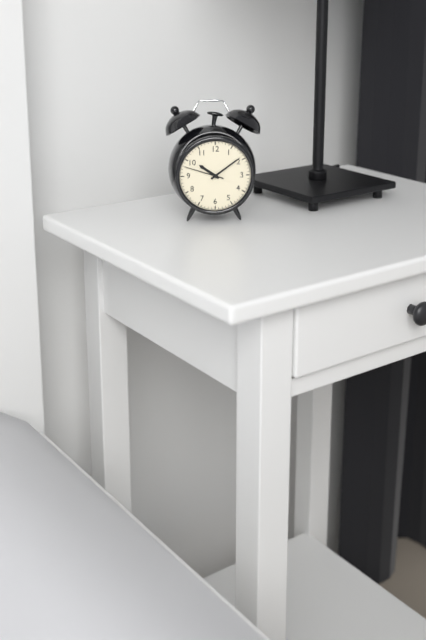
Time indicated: 10:09
